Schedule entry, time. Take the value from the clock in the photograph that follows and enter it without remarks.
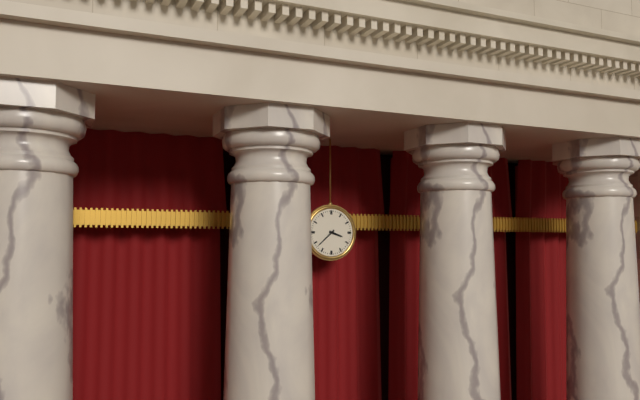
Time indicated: 3:38
